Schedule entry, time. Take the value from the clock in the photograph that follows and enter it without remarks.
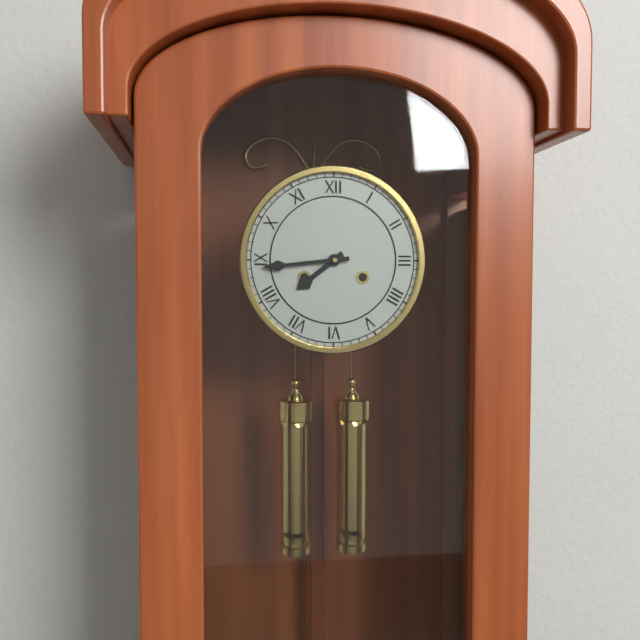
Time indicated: 7:44
